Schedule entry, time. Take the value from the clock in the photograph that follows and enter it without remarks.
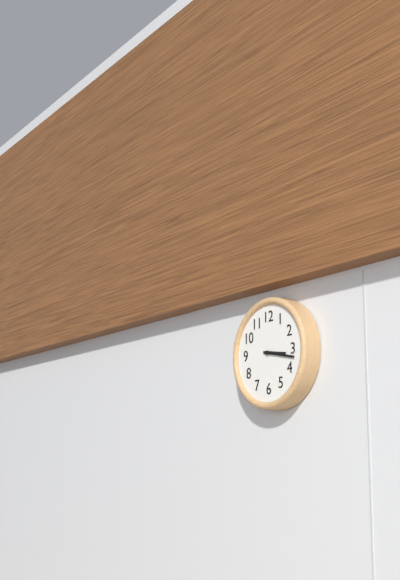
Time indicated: 3:17
